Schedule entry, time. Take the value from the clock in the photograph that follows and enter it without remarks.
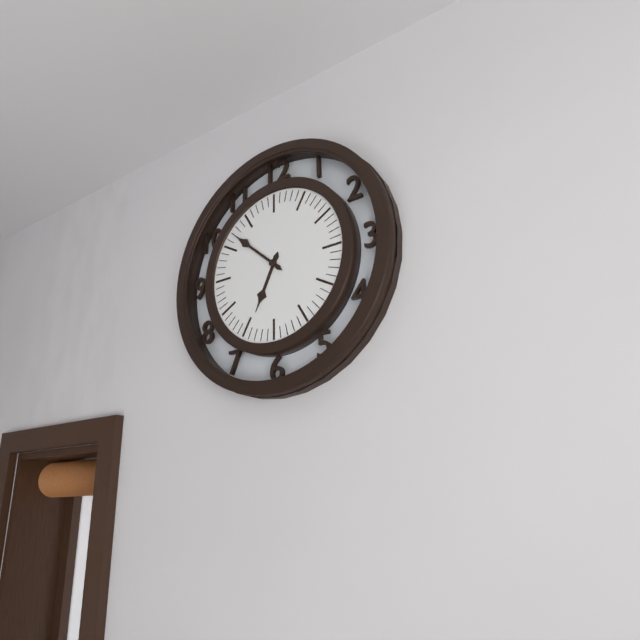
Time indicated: 6:52
